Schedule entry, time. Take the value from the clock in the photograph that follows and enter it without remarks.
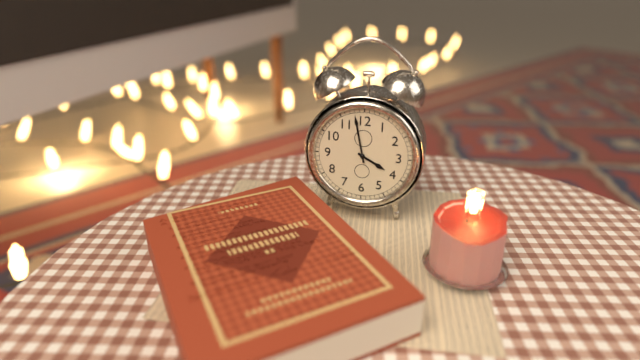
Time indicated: 3:58
